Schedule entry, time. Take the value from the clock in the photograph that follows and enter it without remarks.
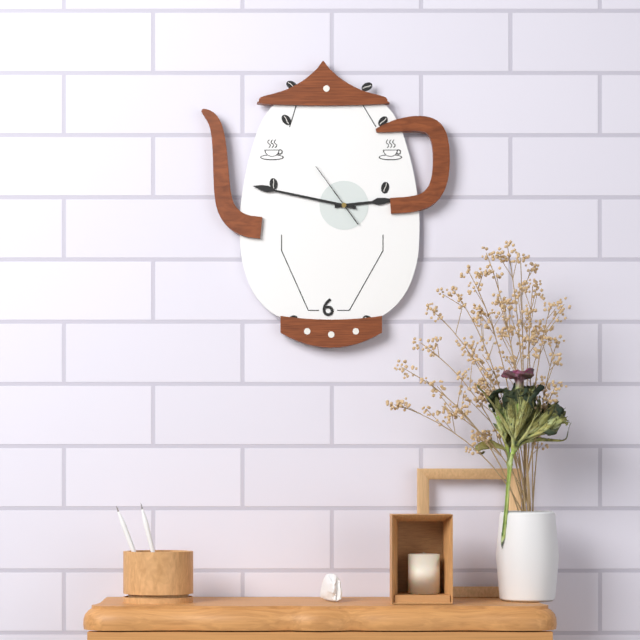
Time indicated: 2:47:54
